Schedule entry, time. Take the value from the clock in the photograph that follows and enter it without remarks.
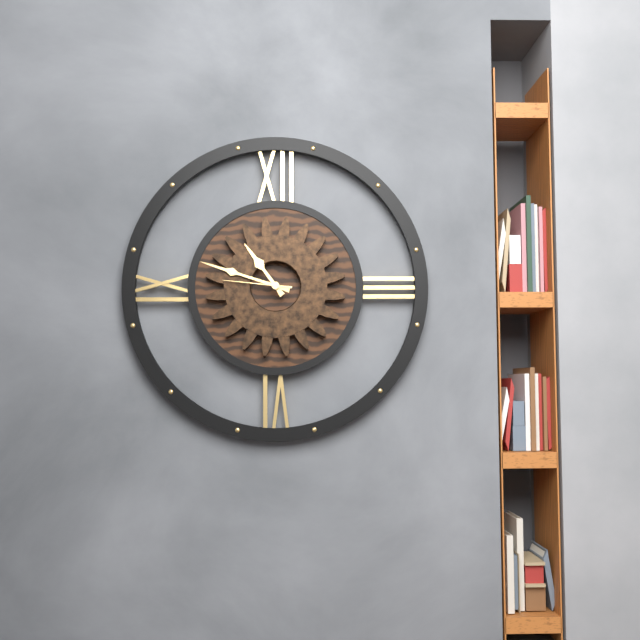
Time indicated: 10:48:46
